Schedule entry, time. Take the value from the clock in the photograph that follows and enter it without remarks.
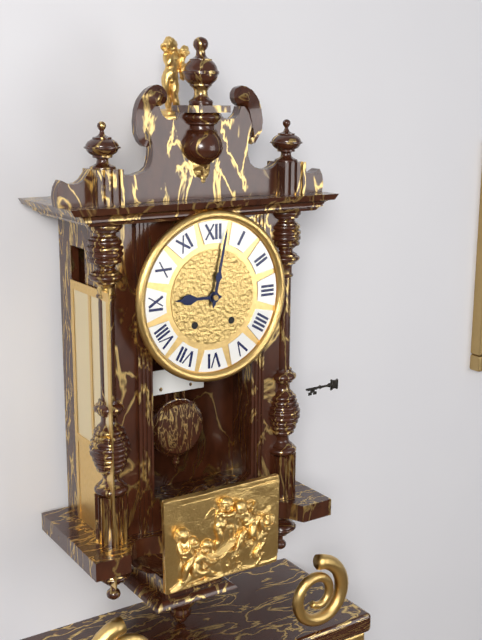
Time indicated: 9:02
